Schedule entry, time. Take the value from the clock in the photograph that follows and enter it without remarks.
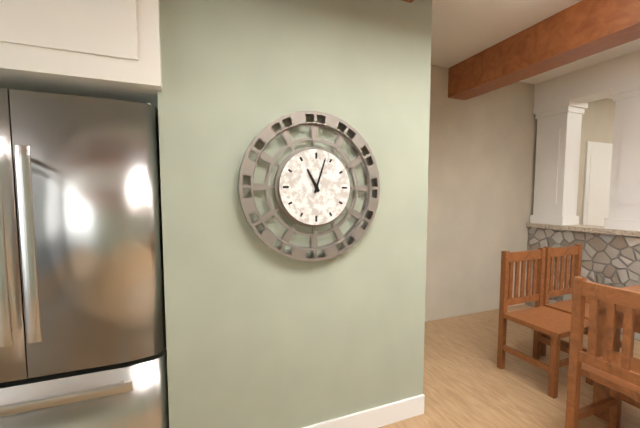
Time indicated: 11:03
